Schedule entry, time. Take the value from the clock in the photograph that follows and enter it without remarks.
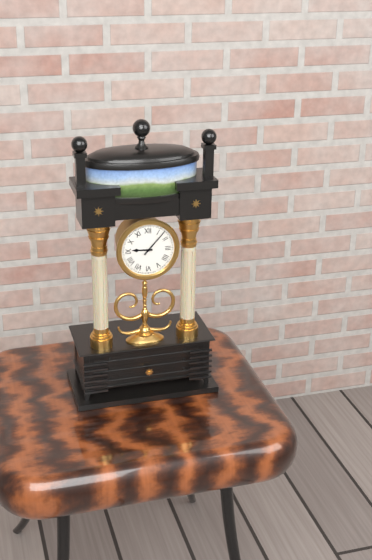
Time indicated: 9:07
